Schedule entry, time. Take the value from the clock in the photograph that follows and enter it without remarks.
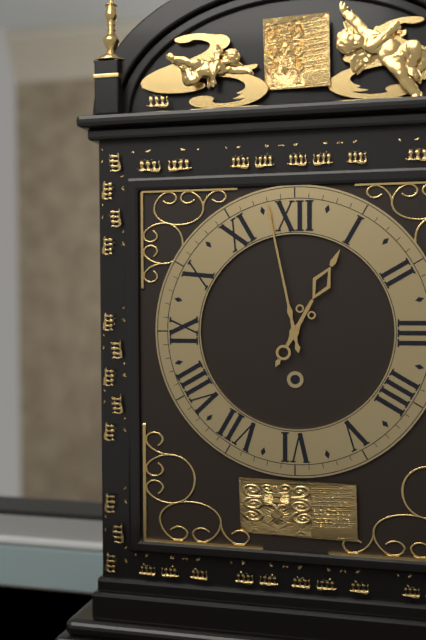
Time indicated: 12:58
